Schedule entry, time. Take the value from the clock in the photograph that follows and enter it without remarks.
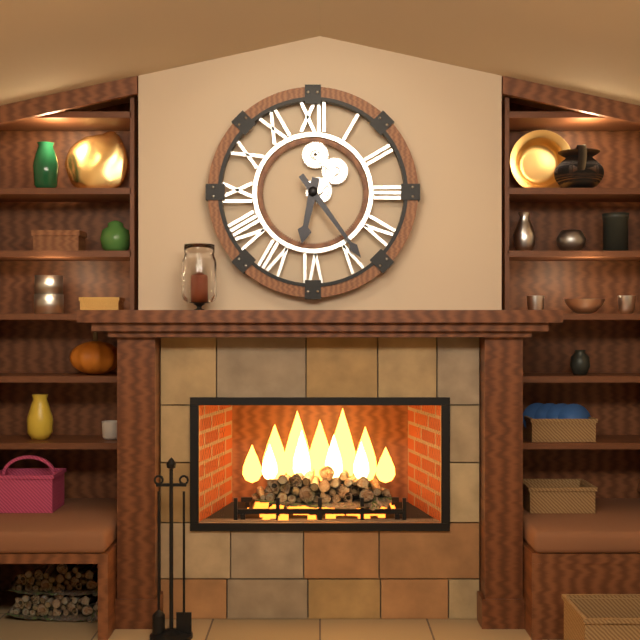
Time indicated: 6:24
